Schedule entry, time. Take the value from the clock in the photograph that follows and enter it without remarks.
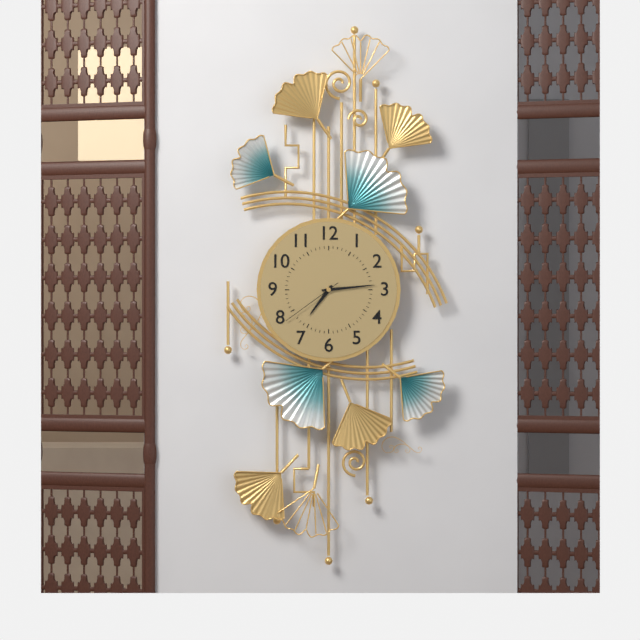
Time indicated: 7:14:39
